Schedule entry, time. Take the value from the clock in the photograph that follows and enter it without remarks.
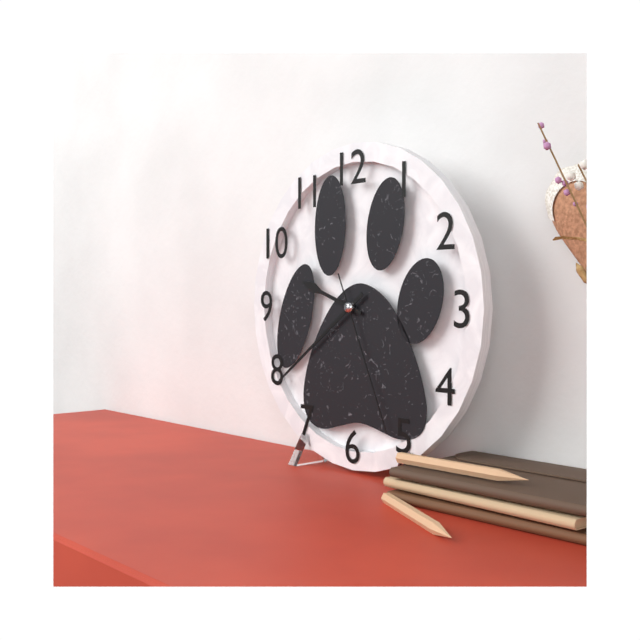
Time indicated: 9:39:26
